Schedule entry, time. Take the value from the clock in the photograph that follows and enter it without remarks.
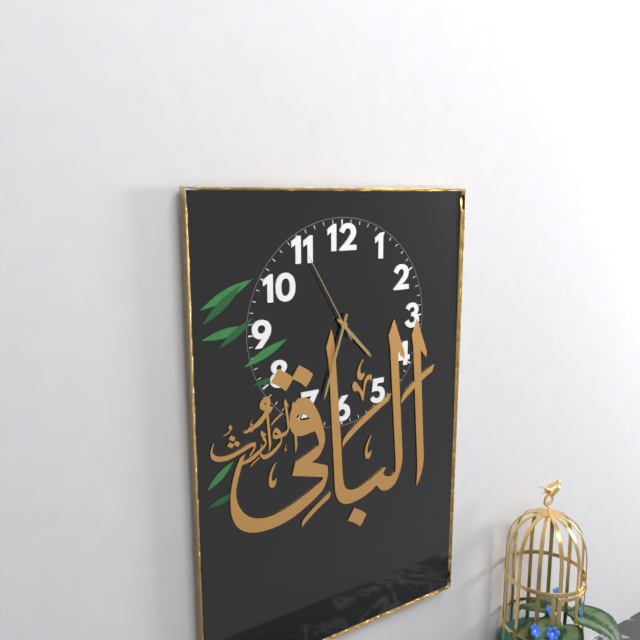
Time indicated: 4:33:55
